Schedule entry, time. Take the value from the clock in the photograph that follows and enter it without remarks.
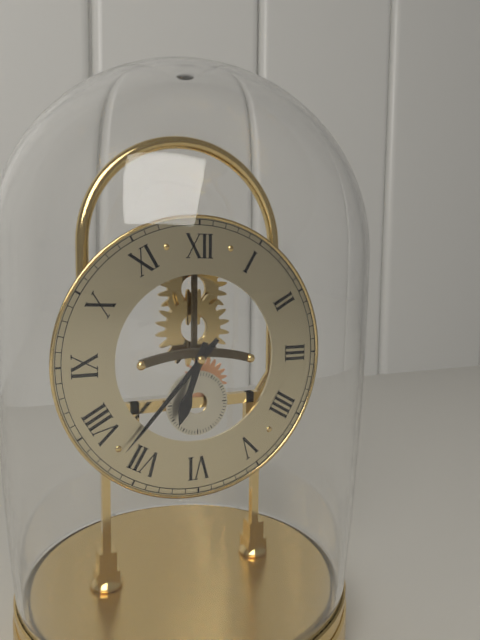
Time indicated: 6:37
